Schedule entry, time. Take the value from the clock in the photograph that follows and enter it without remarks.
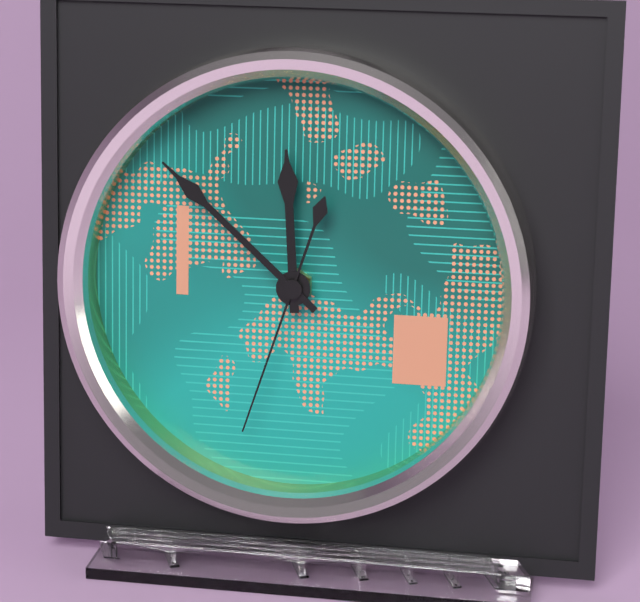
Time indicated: 11:52:33
